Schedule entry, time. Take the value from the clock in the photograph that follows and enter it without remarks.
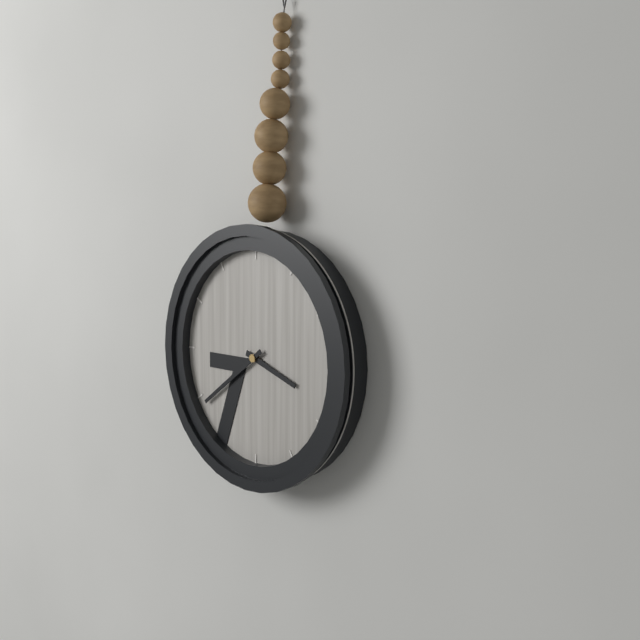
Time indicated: 3:39
